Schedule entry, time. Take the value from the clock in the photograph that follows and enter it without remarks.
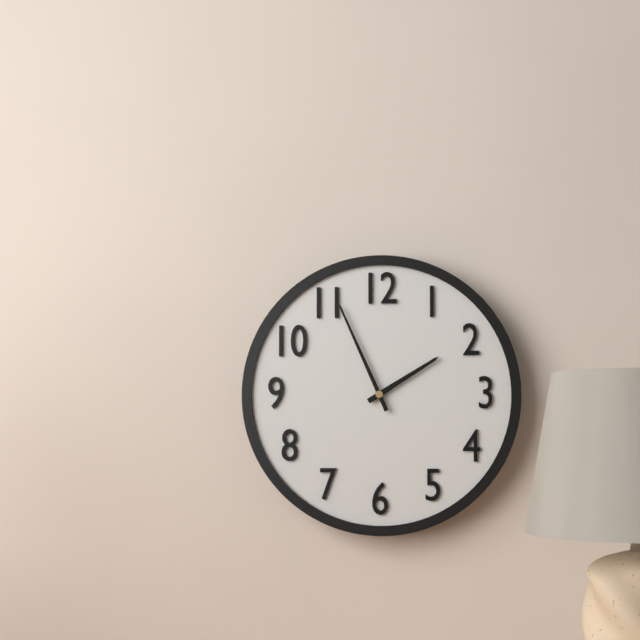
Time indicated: 1:56
